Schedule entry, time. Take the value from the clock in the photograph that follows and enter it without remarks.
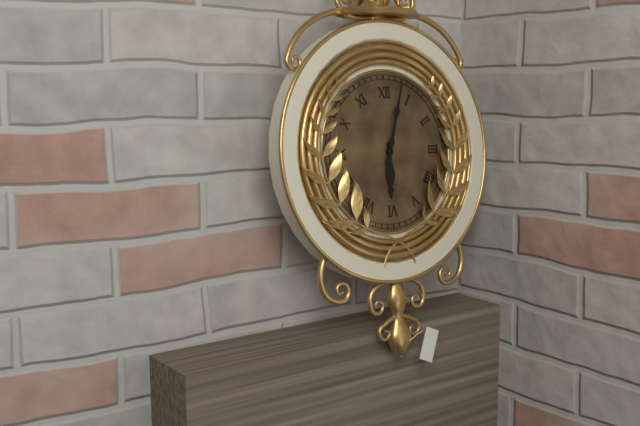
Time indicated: 6:03
